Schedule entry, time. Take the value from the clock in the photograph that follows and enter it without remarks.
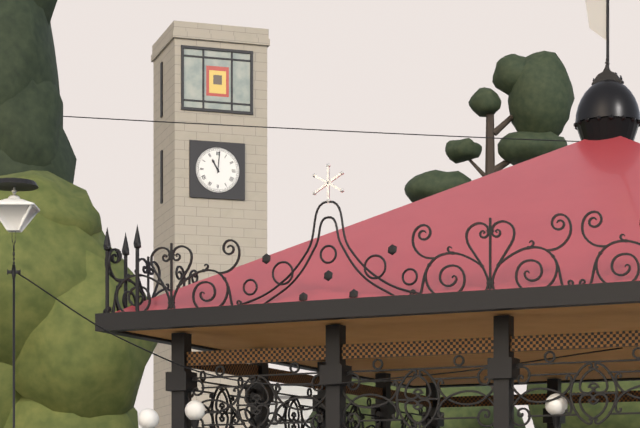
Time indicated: 11:01
